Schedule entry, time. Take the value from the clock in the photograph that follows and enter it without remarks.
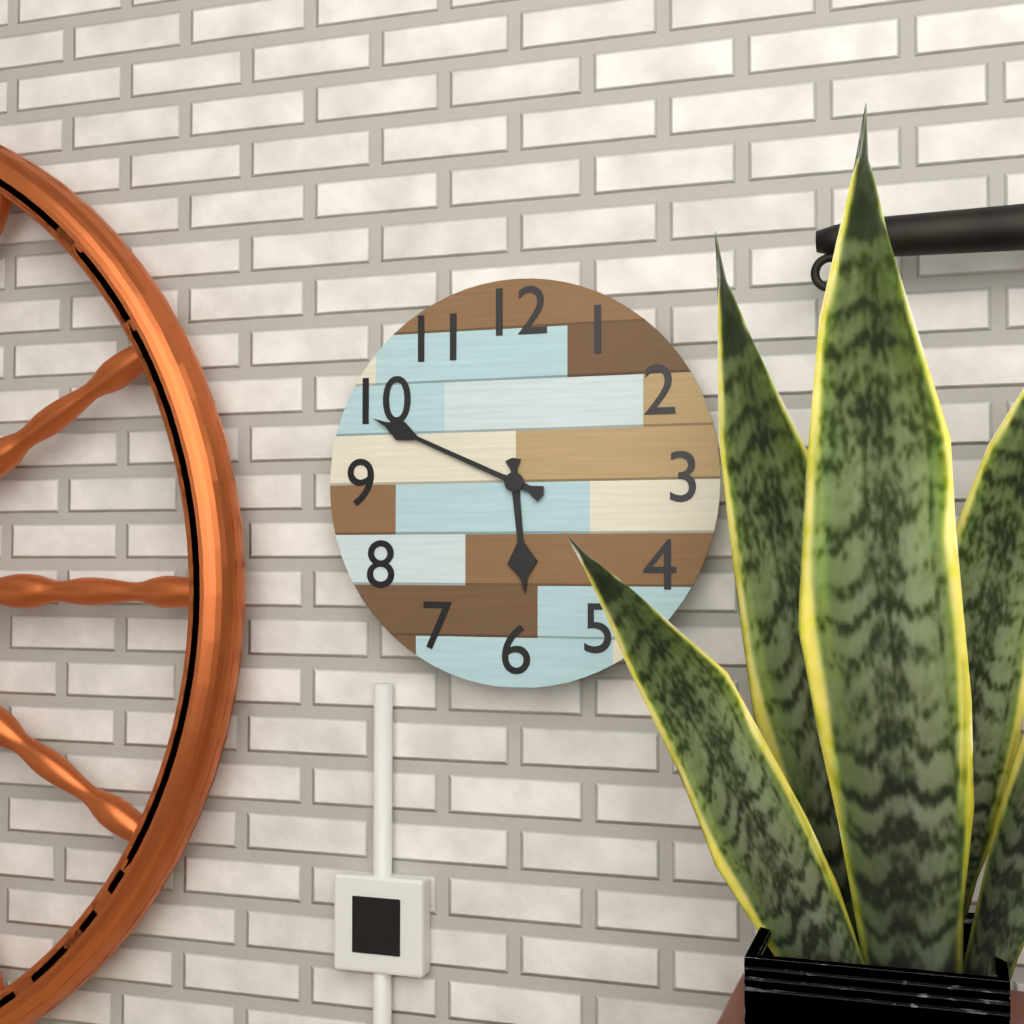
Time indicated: 5:49
